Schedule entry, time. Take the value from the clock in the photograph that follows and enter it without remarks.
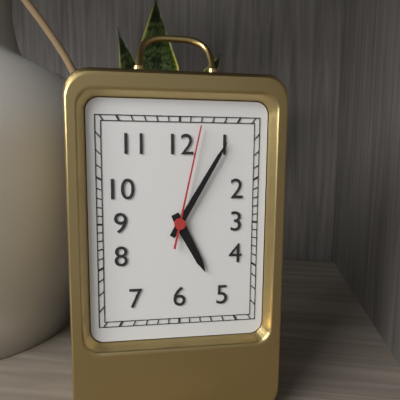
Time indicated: 5:05:02
